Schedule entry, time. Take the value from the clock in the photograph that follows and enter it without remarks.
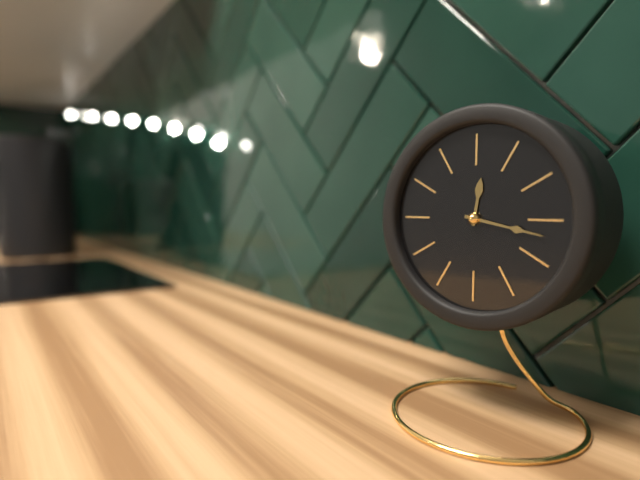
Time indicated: 12:17
